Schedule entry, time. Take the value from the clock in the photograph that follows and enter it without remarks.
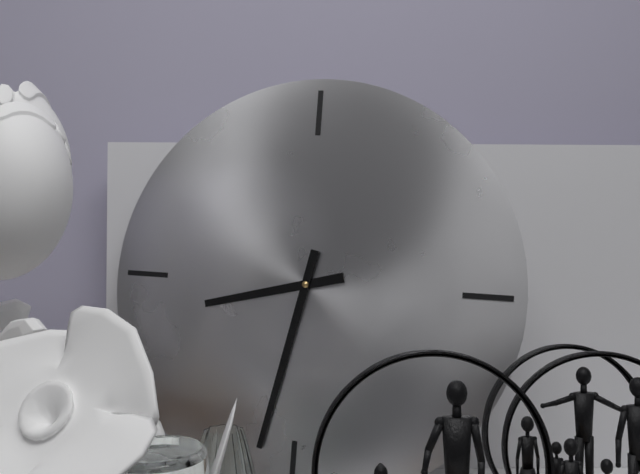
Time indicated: 8:32
